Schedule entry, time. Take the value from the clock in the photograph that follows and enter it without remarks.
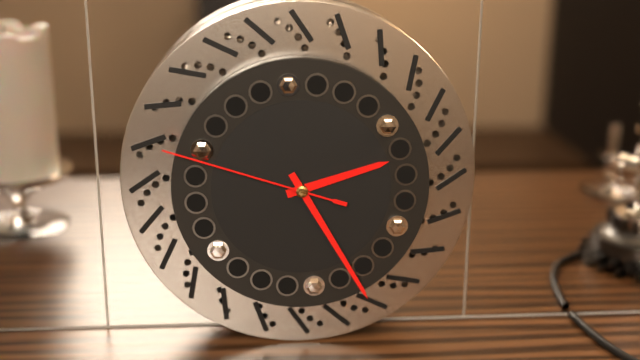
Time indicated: 2:25:48
